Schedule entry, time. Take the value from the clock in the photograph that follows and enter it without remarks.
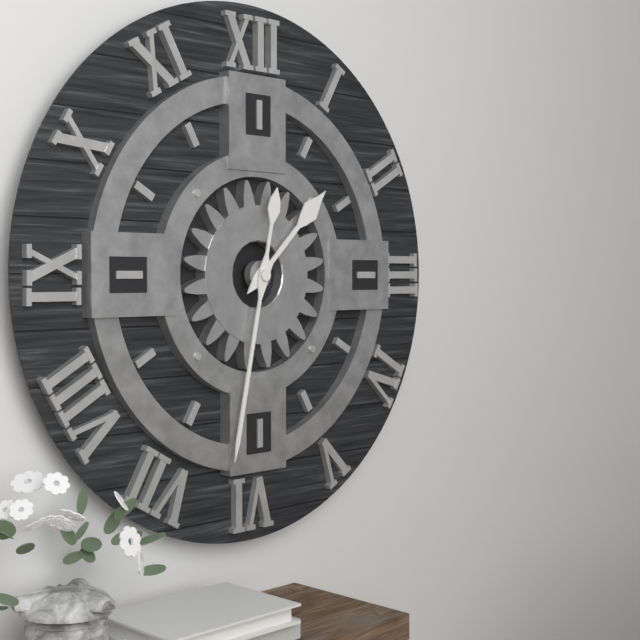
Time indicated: 1:32
